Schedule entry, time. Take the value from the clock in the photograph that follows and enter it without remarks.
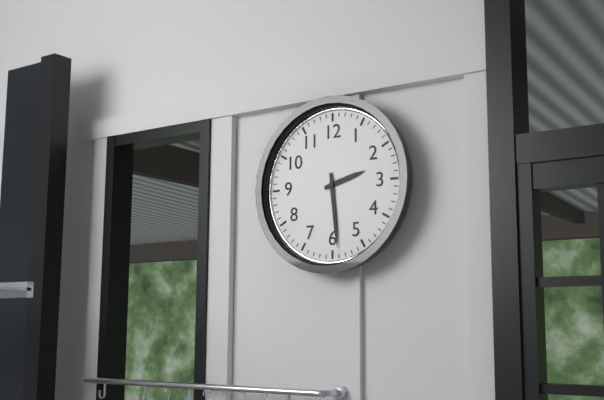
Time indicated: 2:29
